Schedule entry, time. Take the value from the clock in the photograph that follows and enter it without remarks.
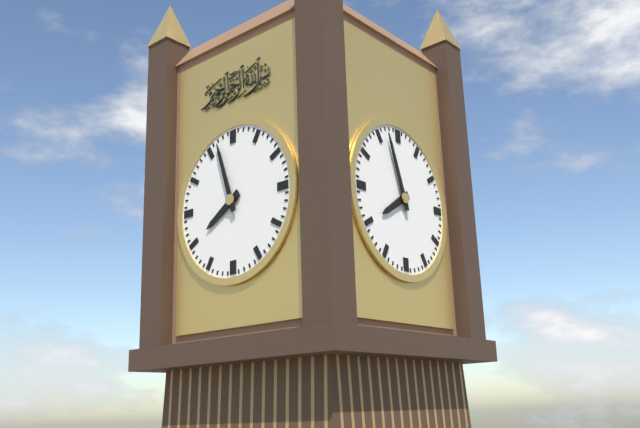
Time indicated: 7:57
